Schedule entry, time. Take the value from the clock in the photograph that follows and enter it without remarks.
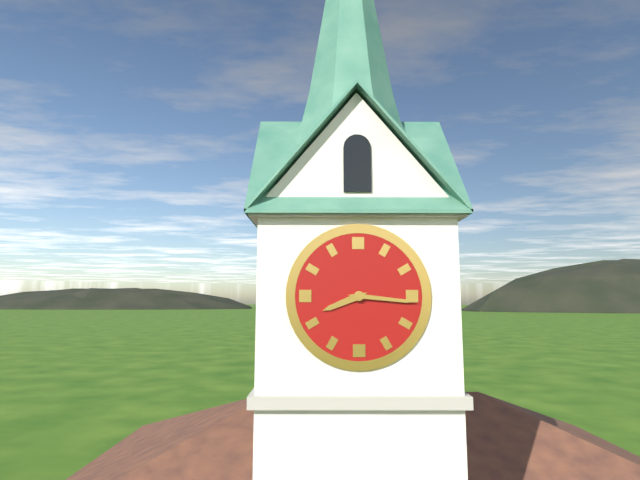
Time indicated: 8:16
